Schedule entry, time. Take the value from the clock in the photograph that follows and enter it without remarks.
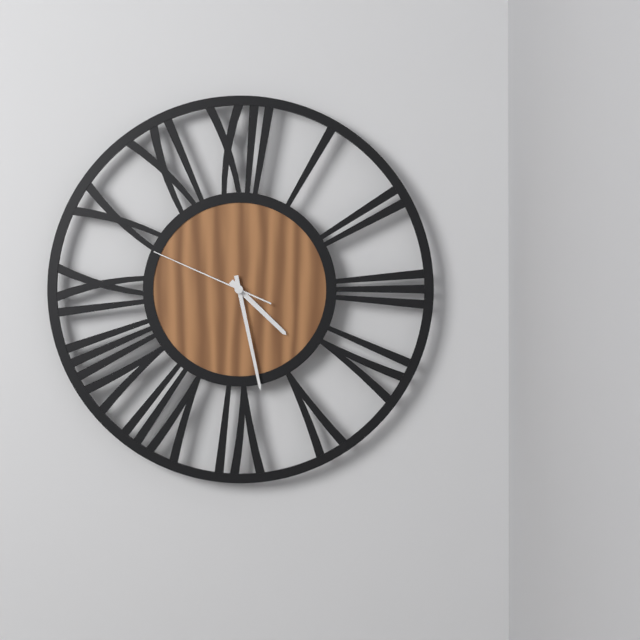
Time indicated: 4:28:49
